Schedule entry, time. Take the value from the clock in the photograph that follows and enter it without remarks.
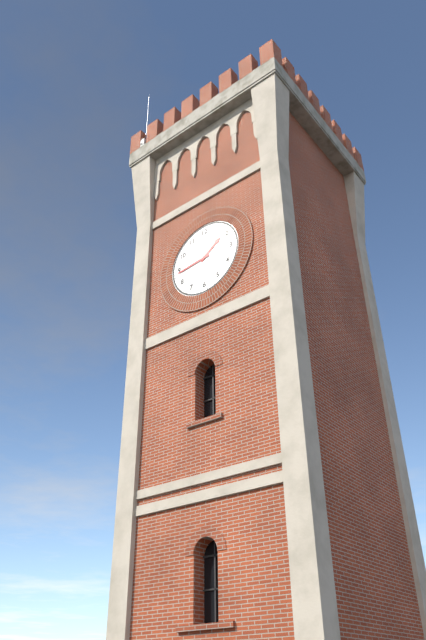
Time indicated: 1:44
